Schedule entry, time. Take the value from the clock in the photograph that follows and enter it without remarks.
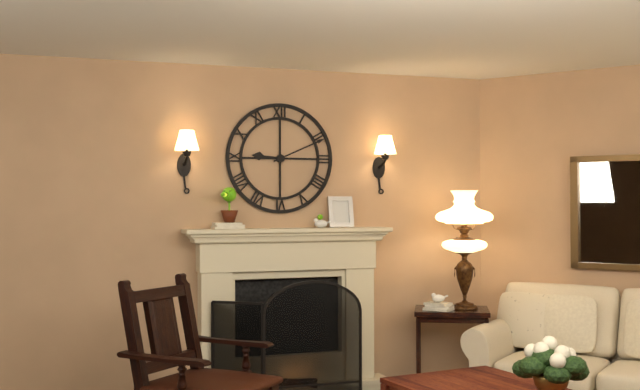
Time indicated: 9:11
